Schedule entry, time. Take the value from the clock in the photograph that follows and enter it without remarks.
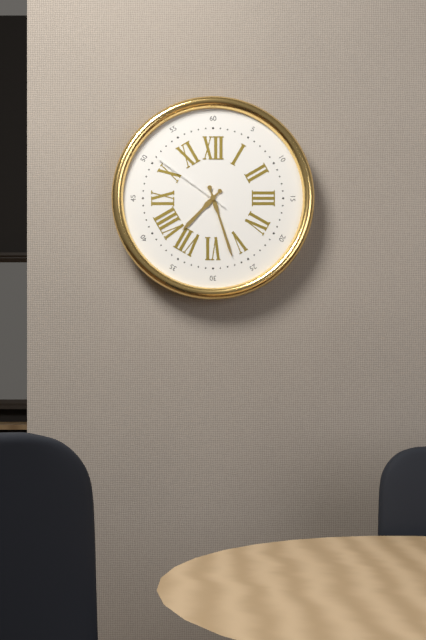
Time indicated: 7:27:51
